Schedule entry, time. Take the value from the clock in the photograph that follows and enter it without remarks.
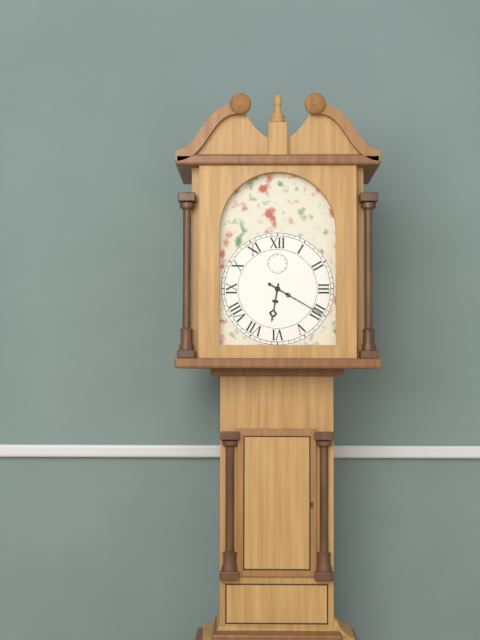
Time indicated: 6:20
